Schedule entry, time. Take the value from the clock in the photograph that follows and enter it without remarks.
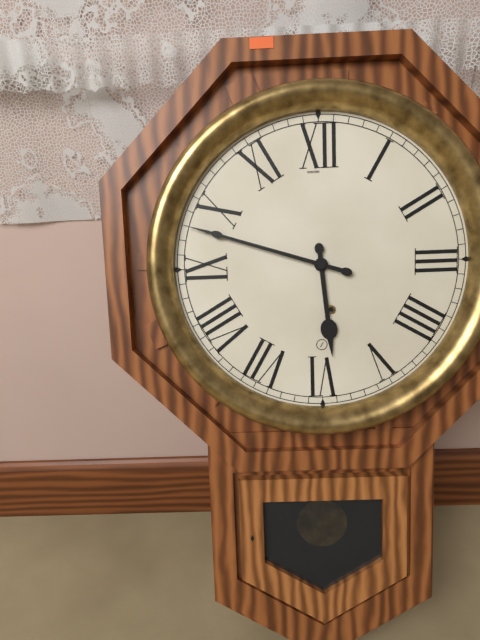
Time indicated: 5:48
